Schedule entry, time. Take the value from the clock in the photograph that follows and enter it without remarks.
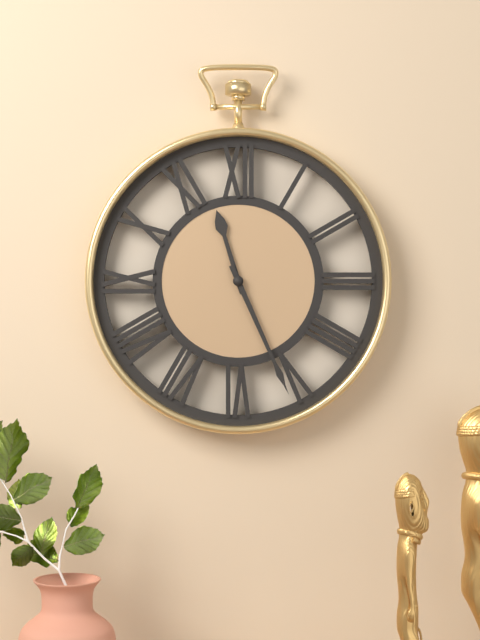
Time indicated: 11:26
